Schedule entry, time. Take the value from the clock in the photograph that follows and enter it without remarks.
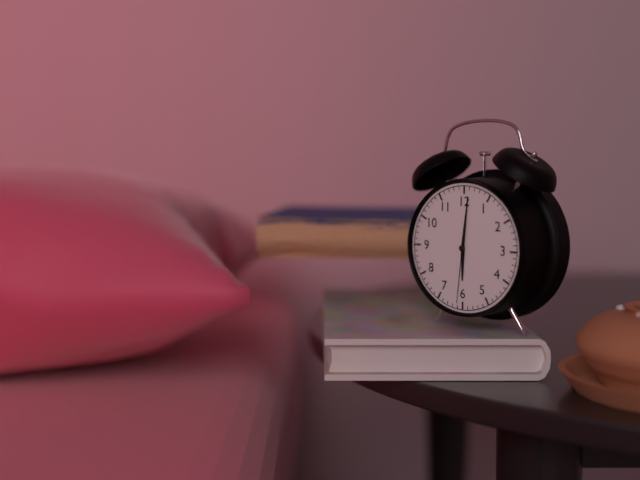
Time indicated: 6:01:31
